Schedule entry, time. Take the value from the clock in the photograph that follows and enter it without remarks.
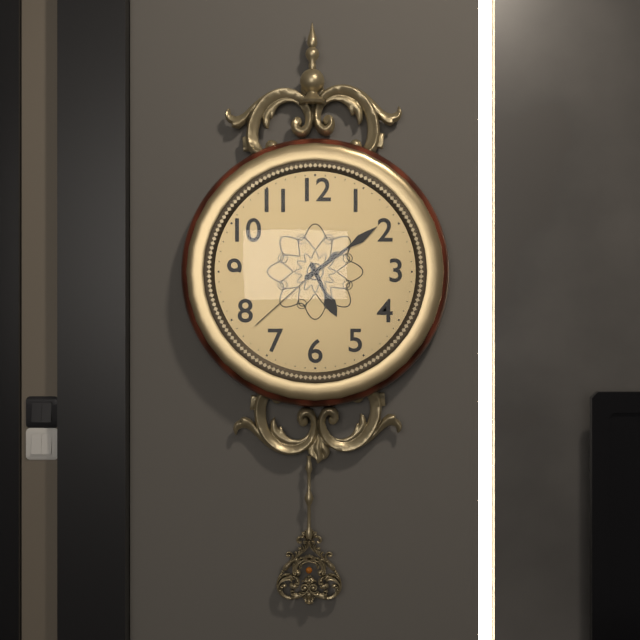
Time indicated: 5:09:38
